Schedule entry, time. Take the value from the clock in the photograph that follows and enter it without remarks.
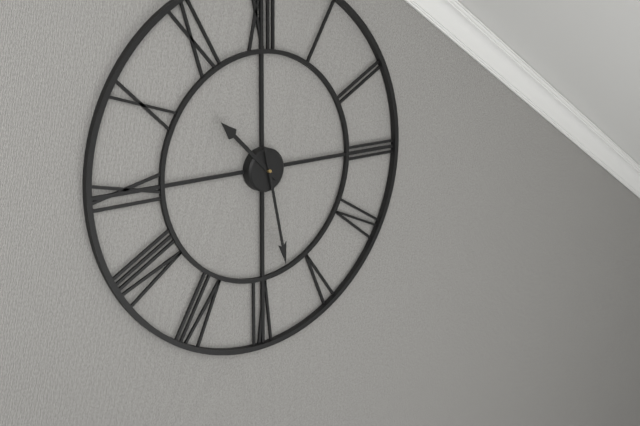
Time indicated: 10:28
